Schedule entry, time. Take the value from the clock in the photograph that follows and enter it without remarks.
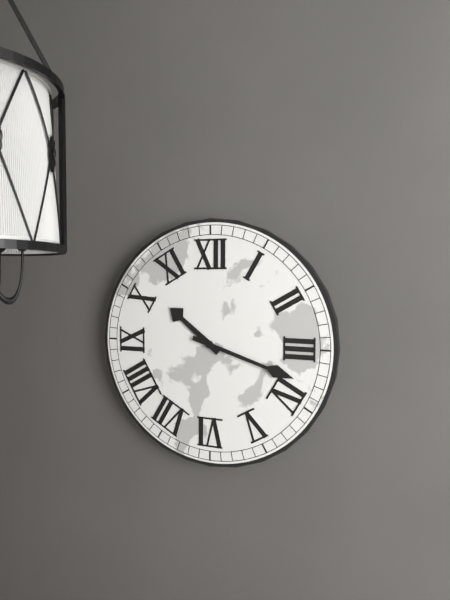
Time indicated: 10:18
